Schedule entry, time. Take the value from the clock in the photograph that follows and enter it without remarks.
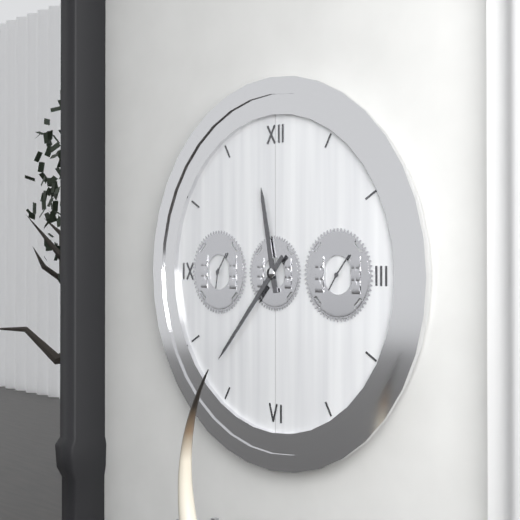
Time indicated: 11:37
